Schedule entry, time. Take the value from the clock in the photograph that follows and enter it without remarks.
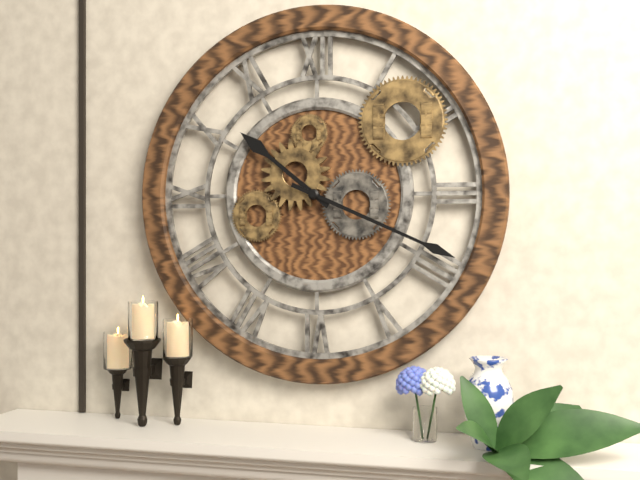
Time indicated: 10:19
